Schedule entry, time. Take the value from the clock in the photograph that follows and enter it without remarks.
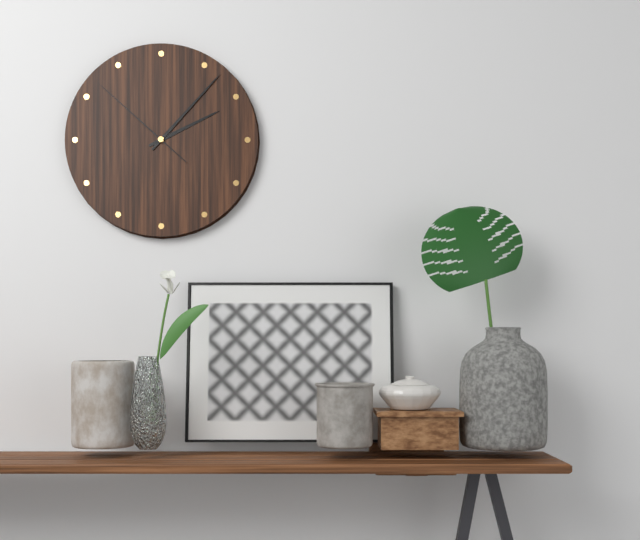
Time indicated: 2:07:52
